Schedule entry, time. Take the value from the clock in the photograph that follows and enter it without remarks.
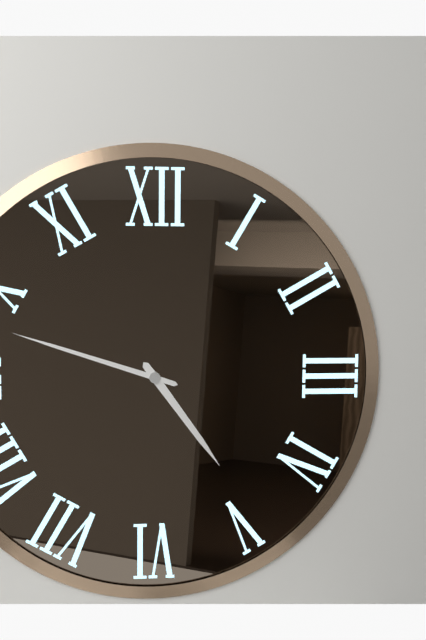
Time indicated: 4:48
